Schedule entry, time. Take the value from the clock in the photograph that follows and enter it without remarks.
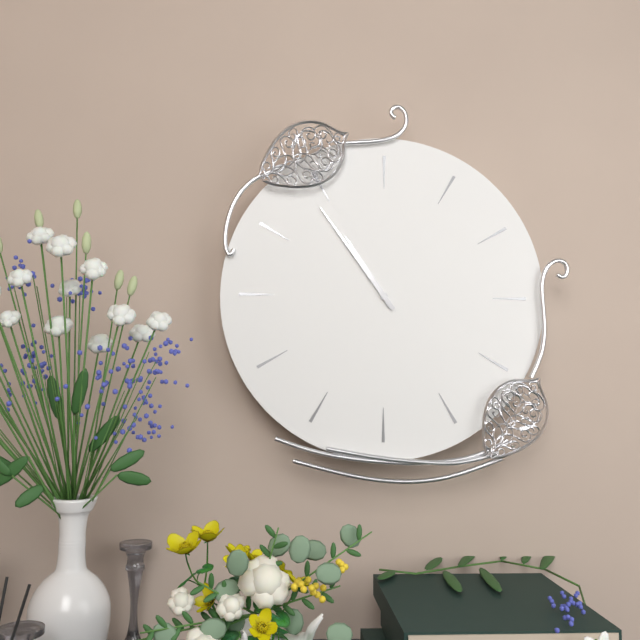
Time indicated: 10:54
